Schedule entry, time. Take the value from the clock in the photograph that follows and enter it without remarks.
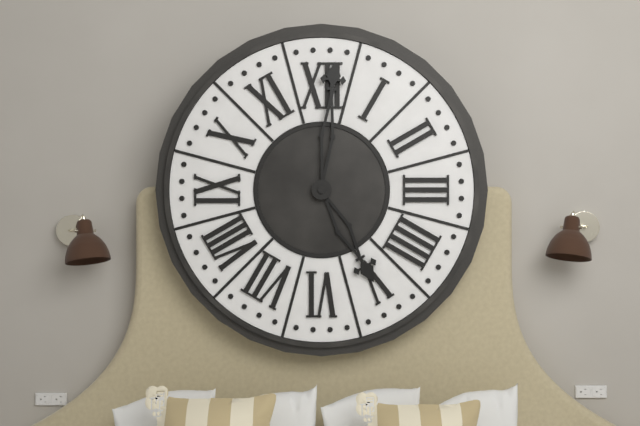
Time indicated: 5:01
